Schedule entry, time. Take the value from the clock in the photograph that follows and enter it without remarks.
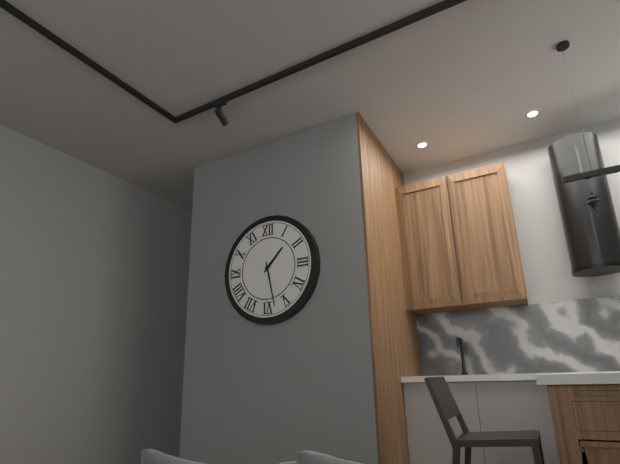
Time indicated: 1:28
